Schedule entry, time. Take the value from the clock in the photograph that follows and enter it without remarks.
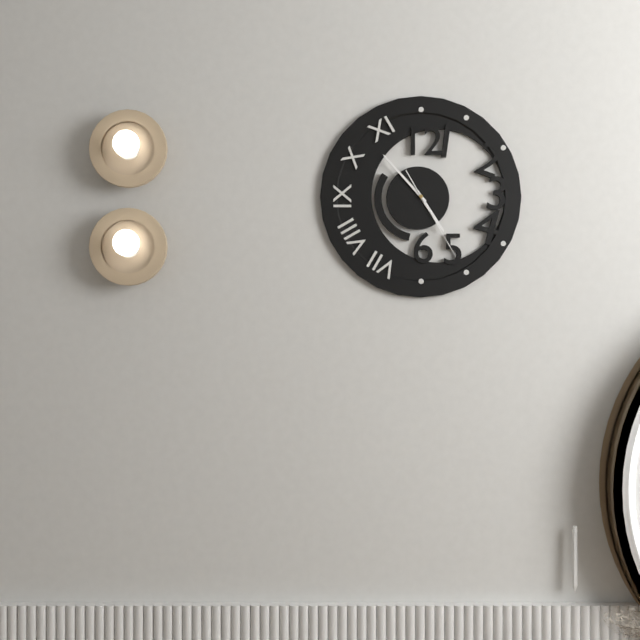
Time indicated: 4:53:25
